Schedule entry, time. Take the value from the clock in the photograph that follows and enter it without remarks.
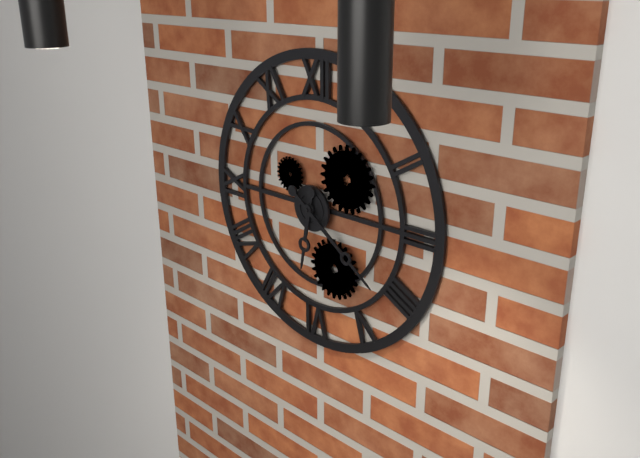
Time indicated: 6:21
